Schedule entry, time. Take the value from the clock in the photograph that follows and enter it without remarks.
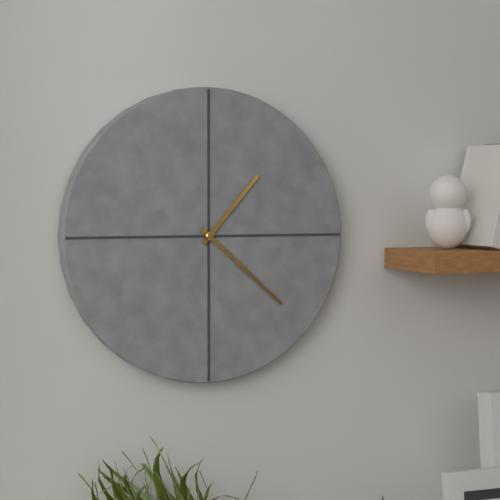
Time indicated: 1:22
